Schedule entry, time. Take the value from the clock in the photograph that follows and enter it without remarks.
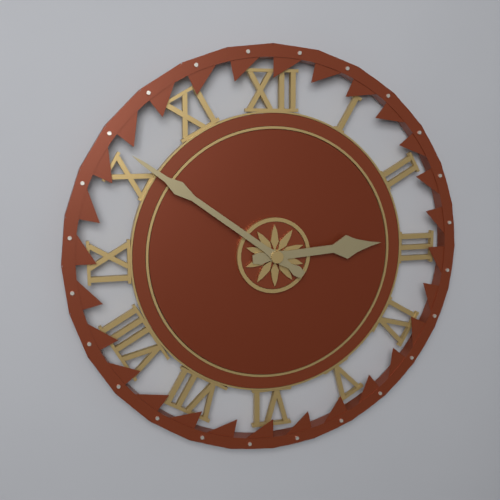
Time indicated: 2:51
